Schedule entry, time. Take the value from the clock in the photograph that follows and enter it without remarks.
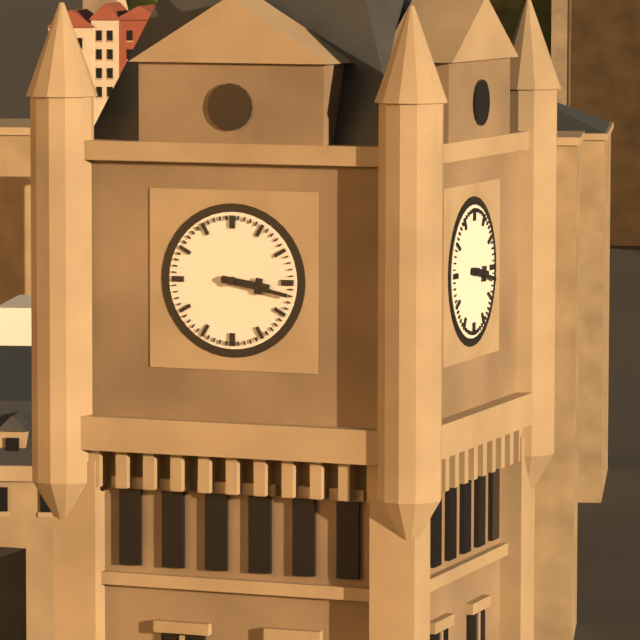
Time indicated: 3:17
